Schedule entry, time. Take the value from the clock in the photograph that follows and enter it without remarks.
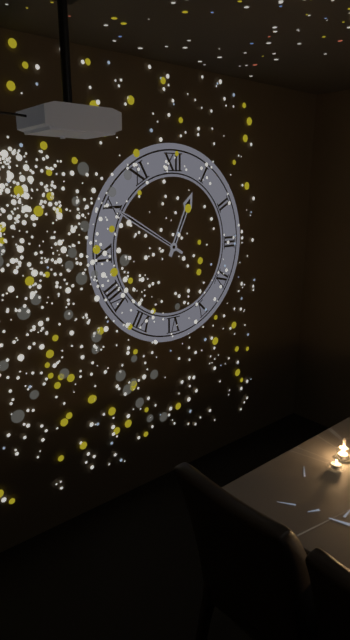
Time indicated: 12:50
